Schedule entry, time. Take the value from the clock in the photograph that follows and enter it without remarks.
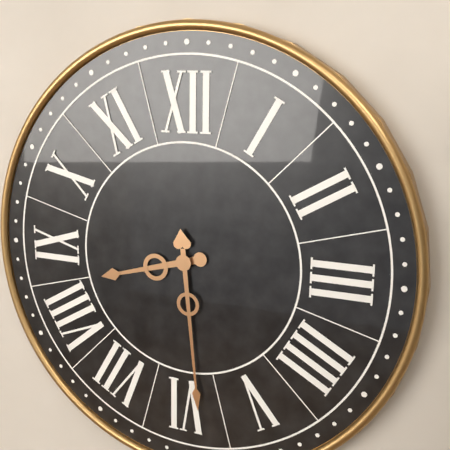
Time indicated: 8:29
